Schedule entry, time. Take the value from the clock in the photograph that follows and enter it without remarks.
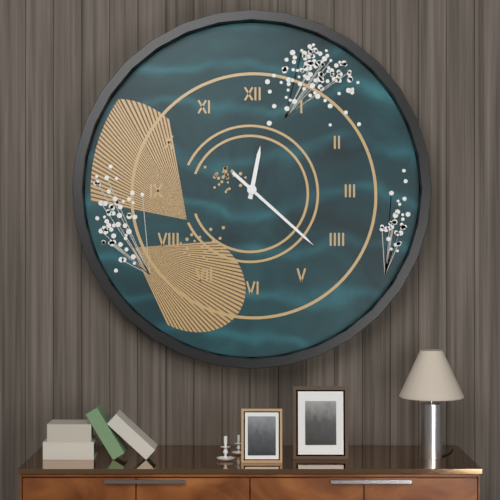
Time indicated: 12:22
